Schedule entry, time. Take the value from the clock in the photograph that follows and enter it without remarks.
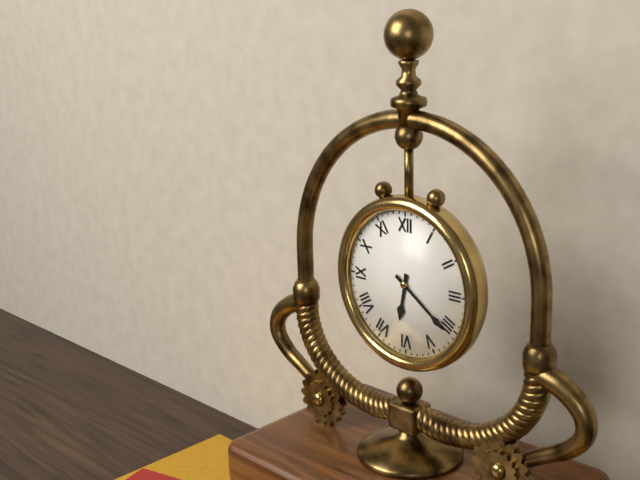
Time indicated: 6:21
